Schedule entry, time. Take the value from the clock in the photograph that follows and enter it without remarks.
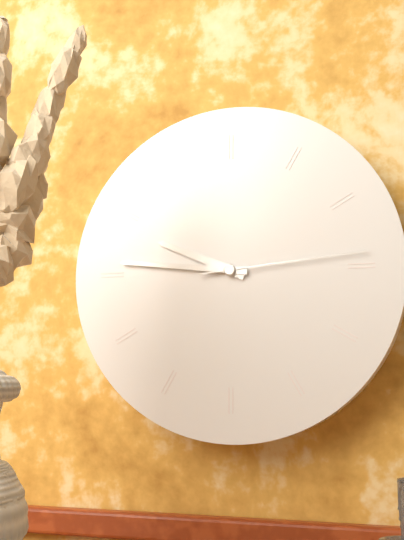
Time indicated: 9:46:14
